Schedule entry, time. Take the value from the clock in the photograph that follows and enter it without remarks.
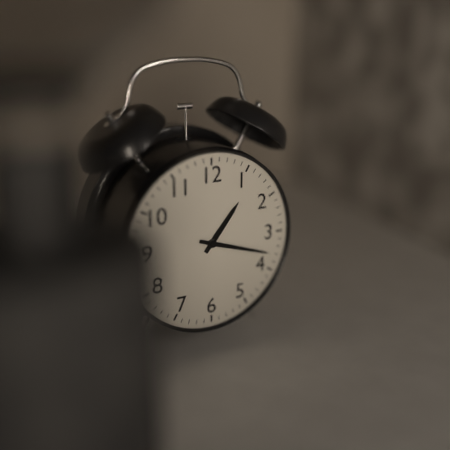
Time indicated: 1:18
